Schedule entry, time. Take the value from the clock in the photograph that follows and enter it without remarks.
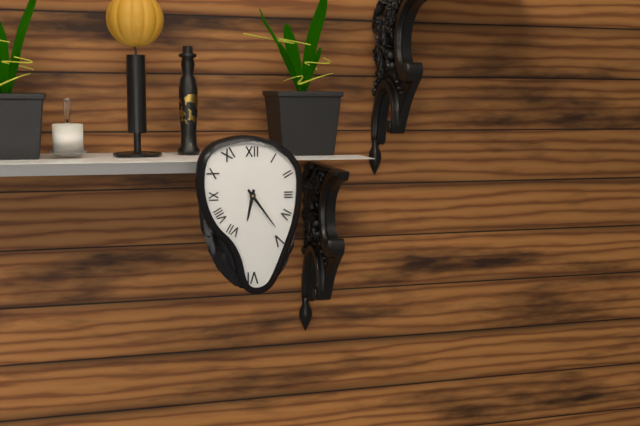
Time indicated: 6:24
